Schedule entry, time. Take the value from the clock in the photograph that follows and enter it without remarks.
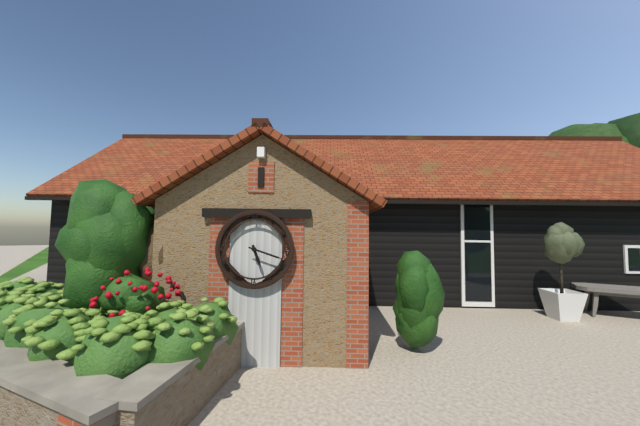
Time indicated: 5:18
